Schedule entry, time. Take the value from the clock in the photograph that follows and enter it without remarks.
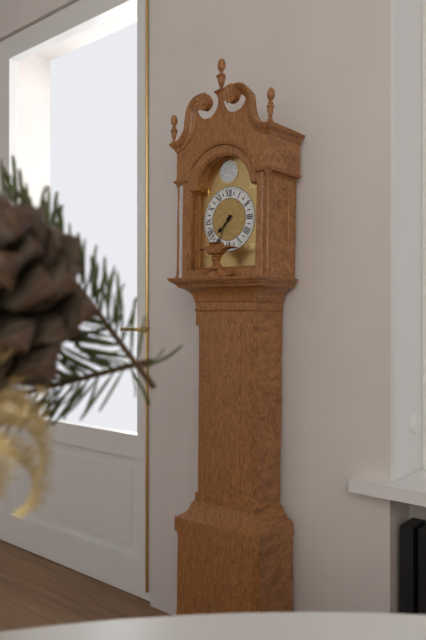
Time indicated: 7:35
